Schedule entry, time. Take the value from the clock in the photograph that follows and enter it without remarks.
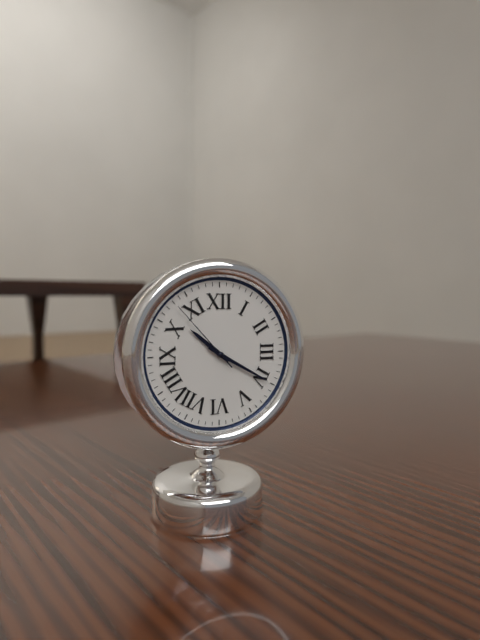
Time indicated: 10:20:53
